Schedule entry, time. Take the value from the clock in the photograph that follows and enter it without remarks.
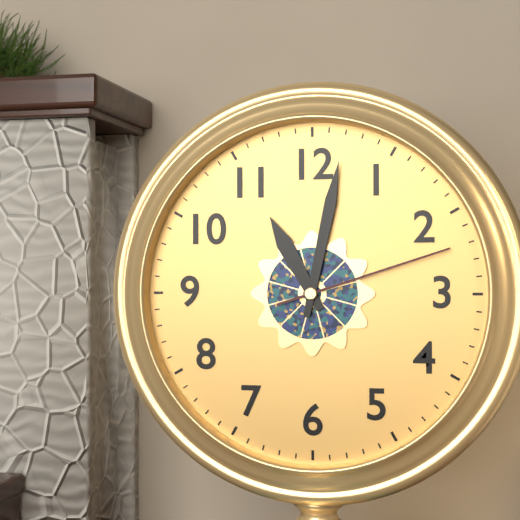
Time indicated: 11:02:12
